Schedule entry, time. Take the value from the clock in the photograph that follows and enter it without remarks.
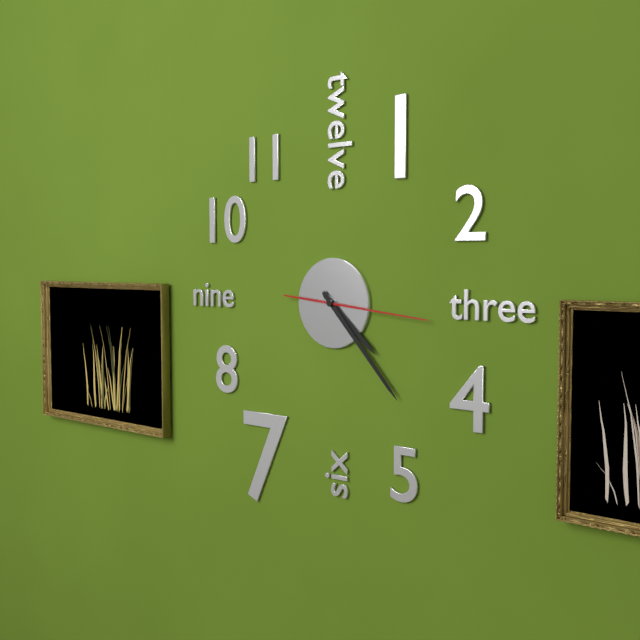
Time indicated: 4:23:16
